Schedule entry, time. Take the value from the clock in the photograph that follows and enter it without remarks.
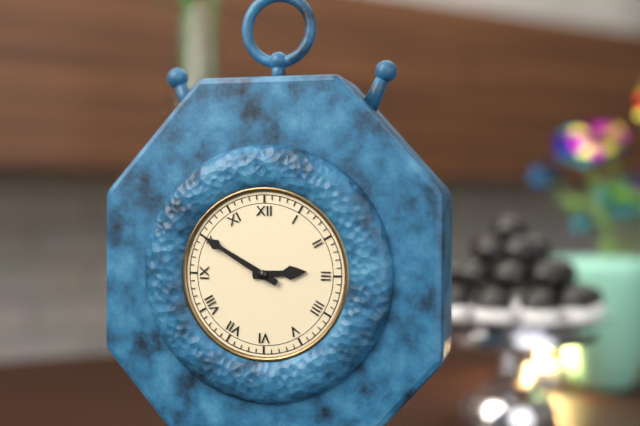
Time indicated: 2:50
